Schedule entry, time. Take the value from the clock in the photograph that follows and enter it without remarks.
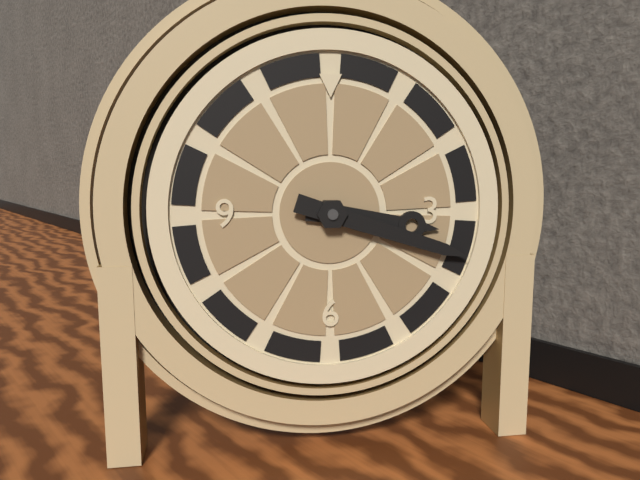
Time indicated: 3:18
